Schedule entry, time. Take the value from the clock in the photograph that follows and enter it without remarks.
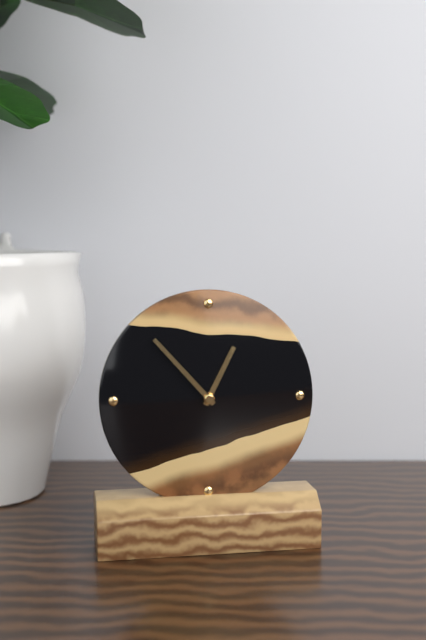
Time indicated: 12:53
